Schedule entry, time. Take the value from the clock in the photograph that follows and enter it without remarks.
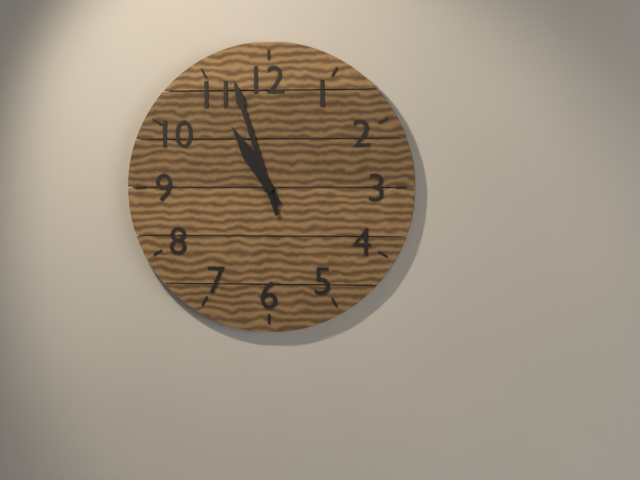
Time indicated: 10:57
